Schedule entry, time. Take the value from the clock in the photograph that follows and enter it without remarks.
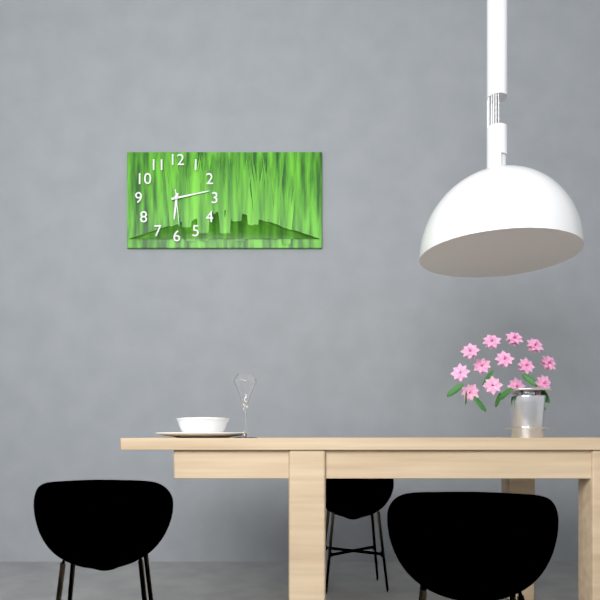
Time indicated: 6:13
